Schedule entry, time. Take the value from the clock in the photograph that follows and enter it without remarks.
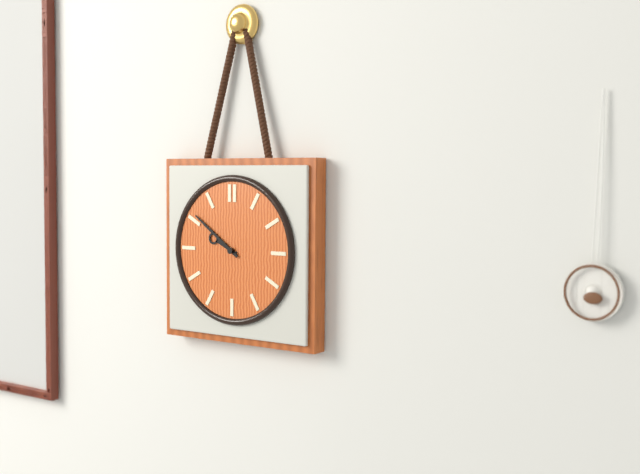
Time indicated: 9:51
